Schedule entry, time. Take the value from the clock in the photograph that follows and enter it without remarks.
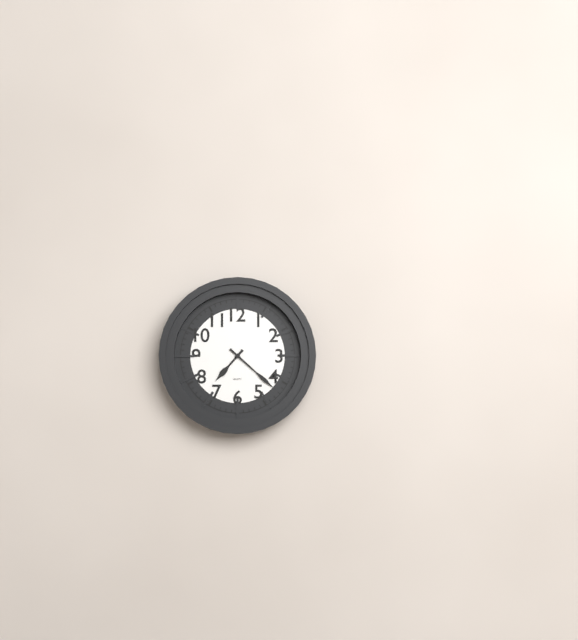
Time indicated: 7:22
